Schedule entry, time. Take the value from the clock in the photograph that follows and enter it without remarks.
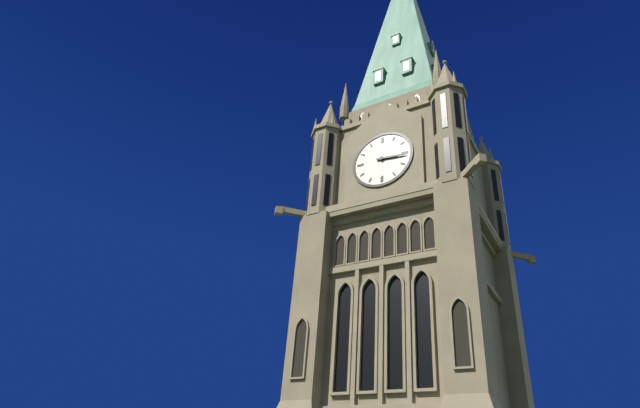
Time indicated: 3:16
